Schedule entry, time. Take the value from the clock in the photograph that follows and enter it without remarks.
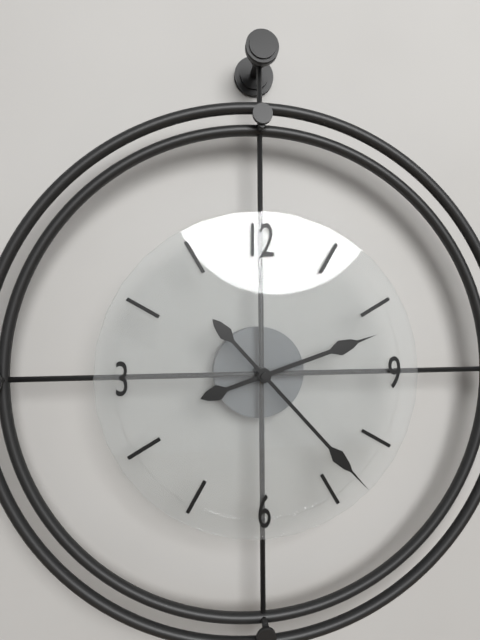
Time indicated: 2:23
